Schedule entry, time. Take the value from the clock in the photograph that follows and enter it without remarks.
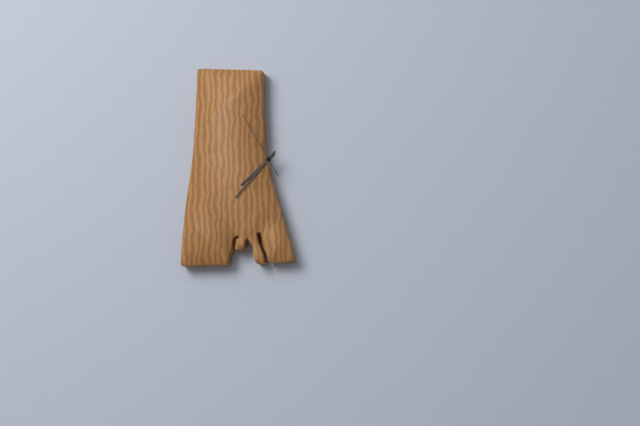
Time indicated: 7:37:55
